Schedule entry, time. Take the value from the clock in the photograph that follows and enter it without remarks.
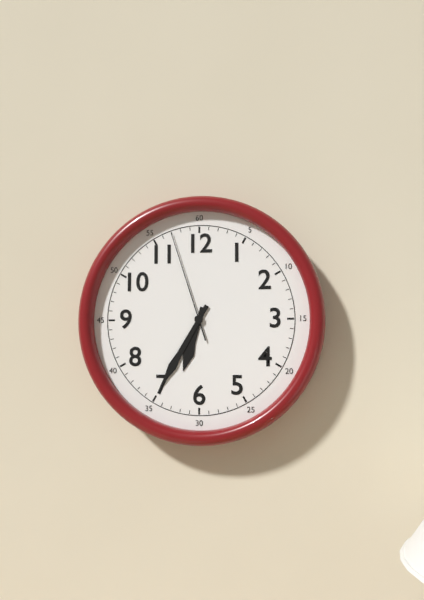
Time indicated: 6:35:57
